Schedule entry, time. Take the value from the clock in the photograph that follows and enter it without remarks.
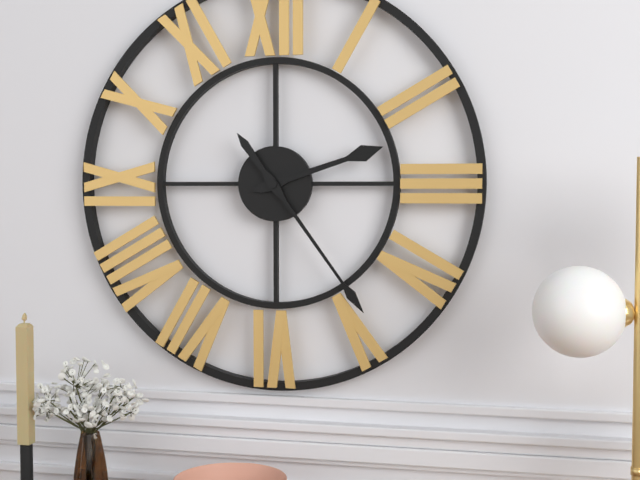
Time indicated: 2:24
